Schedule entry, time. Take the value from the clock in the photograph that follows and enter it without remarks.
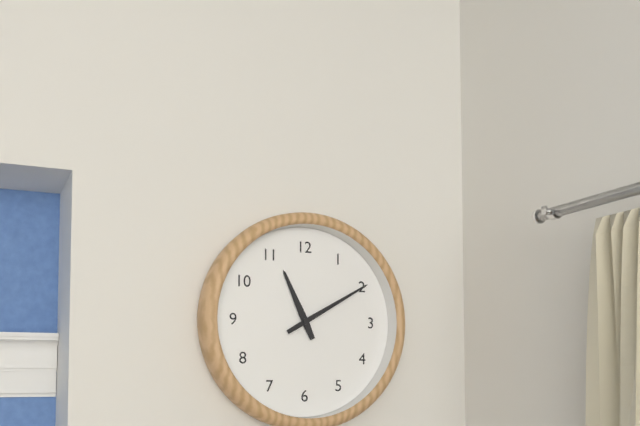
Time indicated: 11:10
